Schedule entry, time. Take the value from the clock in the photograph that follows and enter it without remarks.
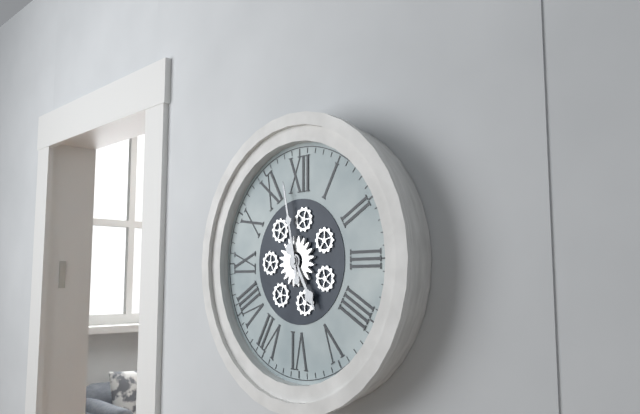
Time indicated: 4:58
